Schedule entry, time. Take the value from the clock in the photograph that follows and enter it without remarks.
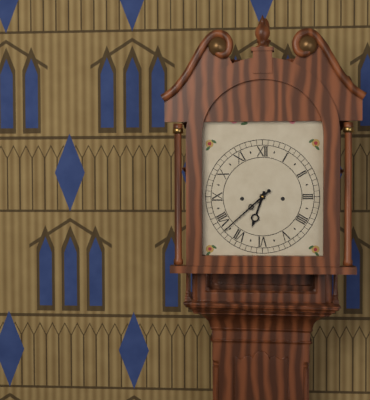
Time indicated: 6:38
